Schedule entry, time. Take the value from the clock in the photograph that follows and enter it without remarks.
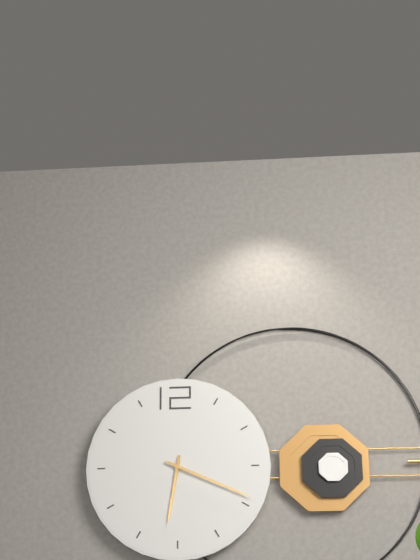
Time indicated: 6:19
